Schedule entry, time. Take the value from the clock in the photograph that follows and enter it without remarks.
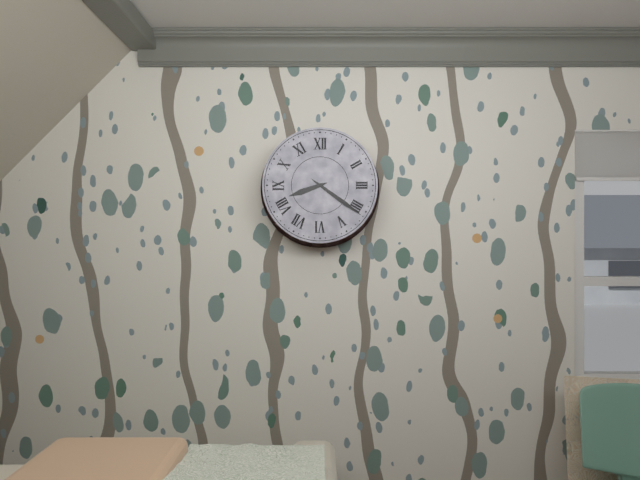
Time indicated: 8:21
